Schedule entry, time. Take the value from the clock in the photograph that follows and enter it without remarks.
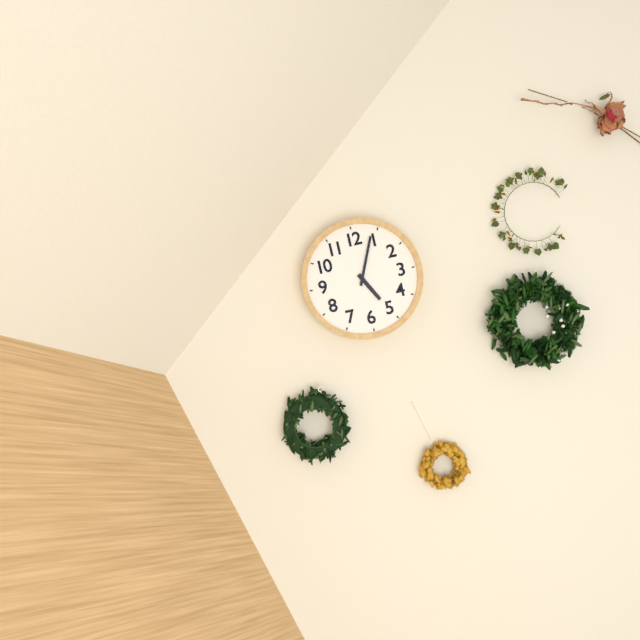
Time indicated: 5:04
